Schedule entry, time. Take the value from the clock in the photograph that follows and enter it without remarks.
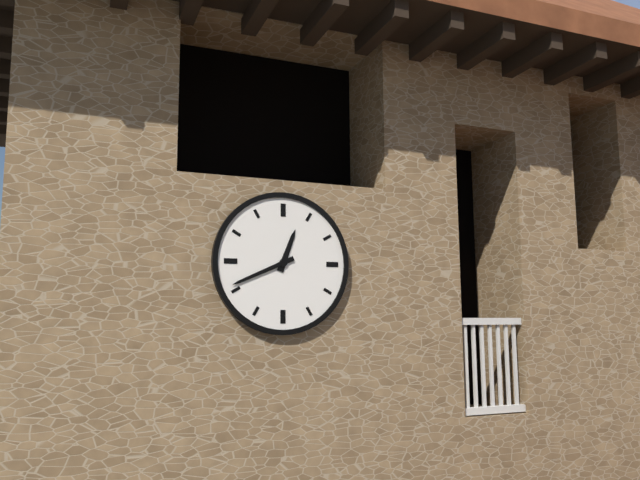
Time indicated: 12:41
